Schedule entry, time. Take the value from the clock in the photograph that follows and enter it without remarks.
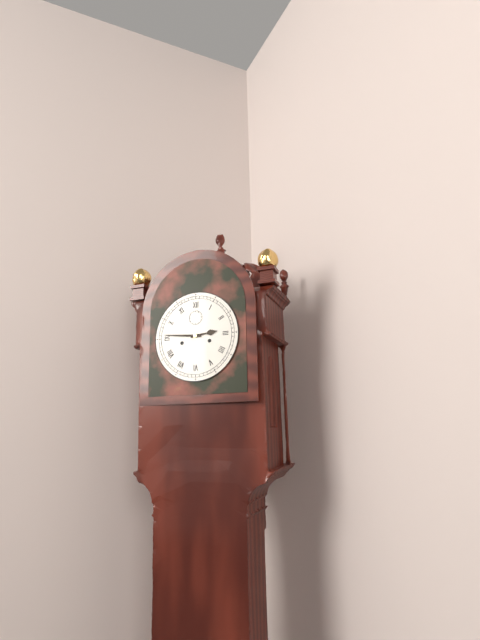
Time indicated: 2:46
